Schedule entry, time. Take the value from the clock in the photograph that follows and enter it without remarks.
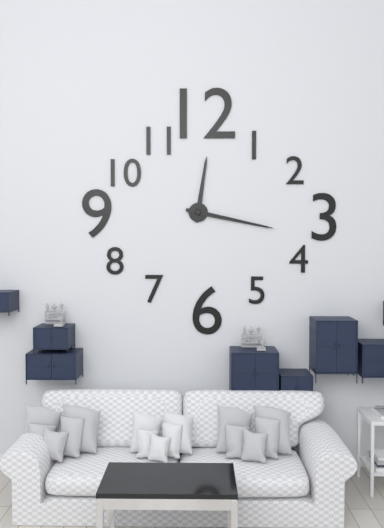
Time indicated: 12:17
